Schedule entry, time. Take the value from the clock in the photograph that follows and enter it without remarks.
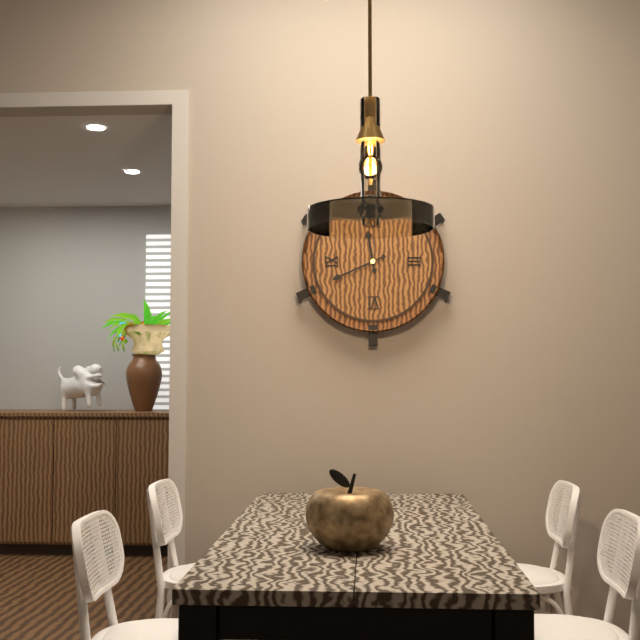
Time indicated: 11:41
